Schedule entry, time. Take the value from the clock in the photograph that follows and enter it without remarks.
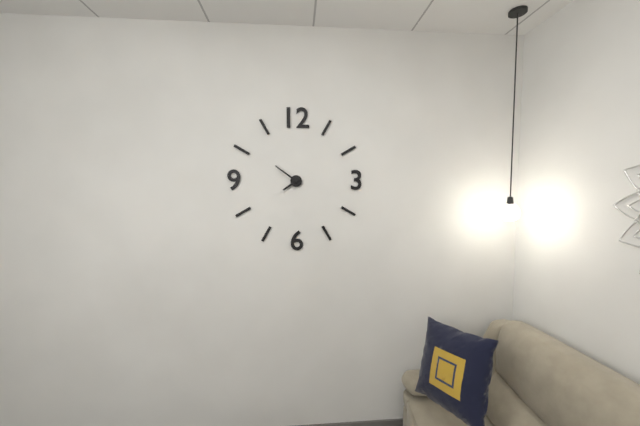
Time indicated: 7:51
